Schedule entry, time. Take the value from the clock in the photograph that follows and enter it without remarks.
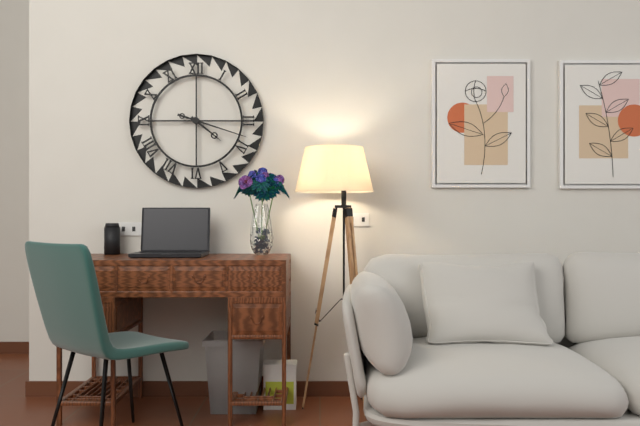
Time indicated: 4:18
